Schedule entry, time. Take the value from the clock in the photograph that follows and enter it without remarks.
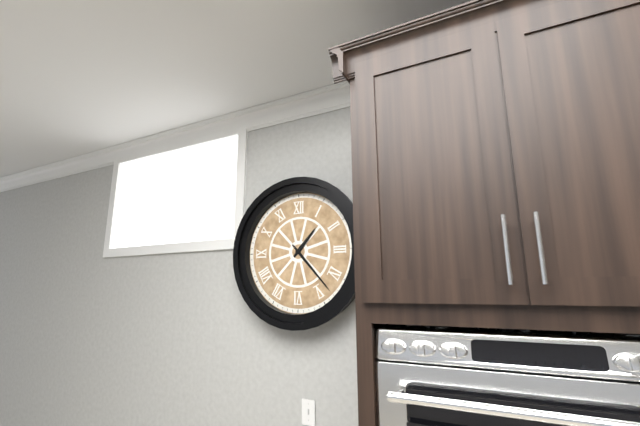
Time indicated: 1:23
